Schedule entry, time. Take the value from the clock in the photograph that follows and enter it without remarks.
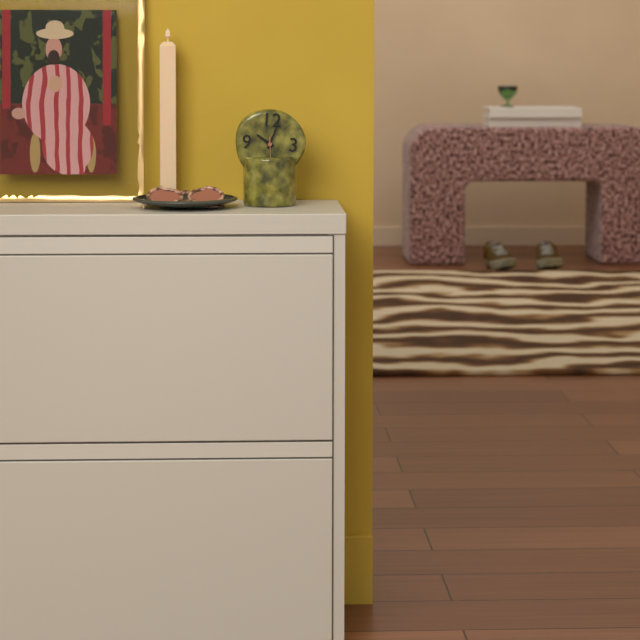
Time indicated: 10:03
